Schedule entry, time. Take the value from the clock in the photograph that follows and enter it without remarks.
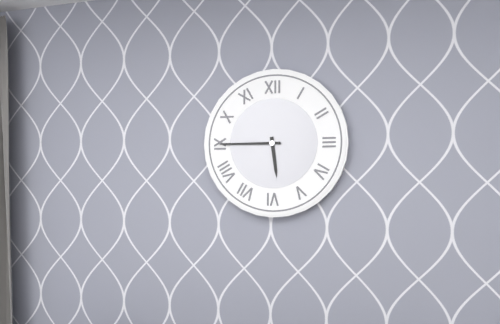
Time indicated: 5:45
